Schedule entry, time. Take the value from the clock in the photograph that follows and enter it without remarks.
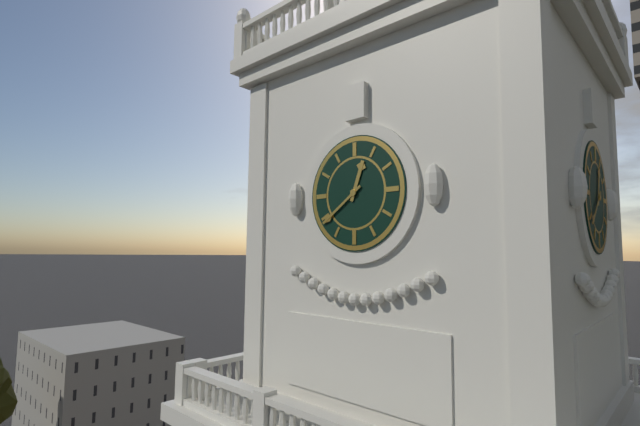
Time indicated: 12:39
